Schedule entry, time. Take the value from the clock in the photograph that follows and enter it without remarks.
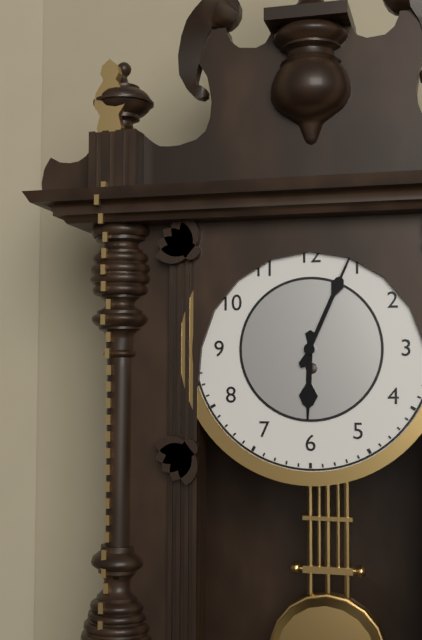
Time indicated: 6:04
